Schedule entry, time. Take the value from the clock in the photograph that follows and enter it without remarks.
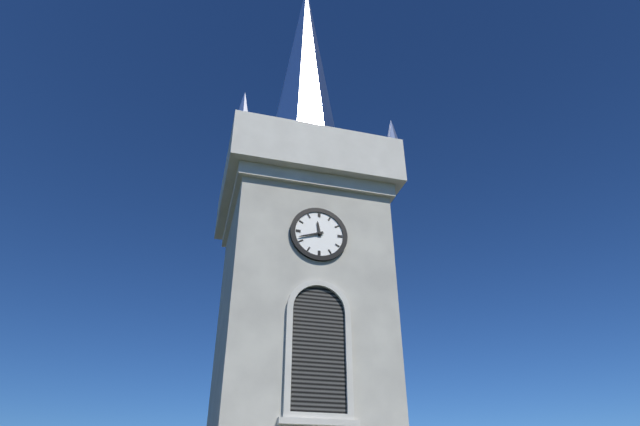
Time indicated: 11:42
